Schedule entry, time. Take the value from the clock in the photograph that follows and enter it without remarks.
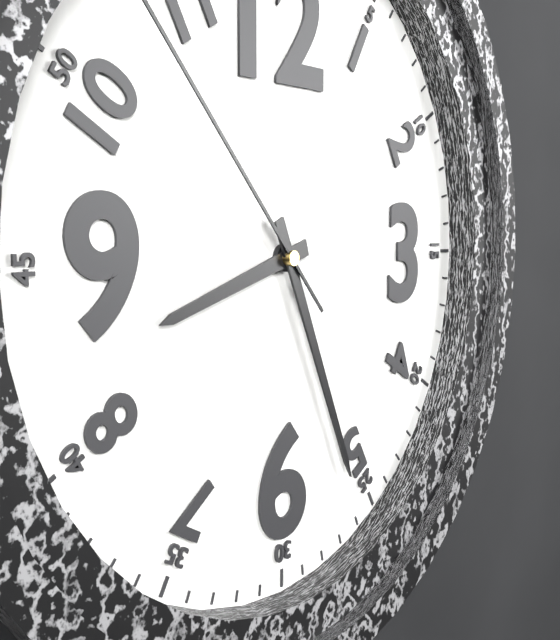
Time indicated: 8:26
